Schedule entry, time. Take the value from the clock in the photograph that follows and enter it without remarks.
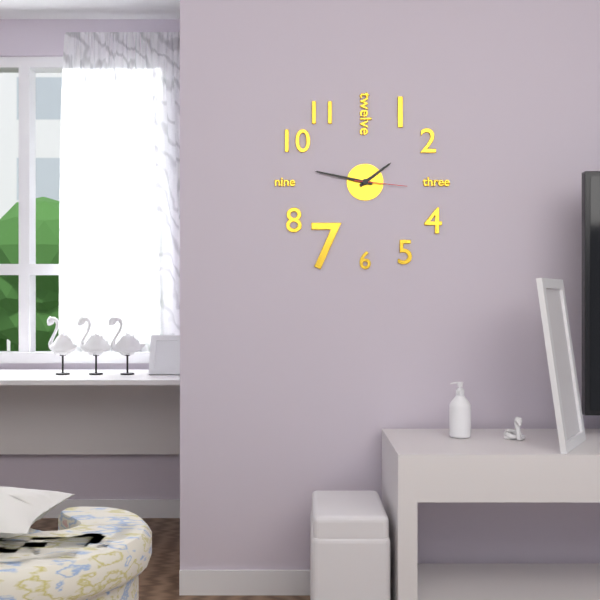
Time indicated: 1:47:16
